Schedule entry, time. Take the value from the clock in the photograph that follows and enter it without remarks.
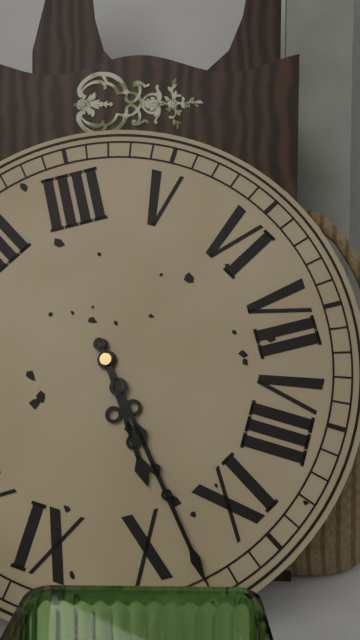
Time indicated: 9:48
